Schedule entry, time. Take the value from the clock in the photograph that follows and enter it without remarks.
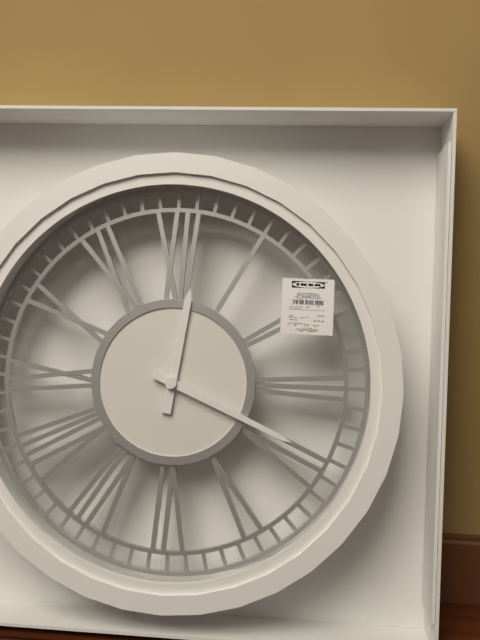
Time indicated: 12:19
